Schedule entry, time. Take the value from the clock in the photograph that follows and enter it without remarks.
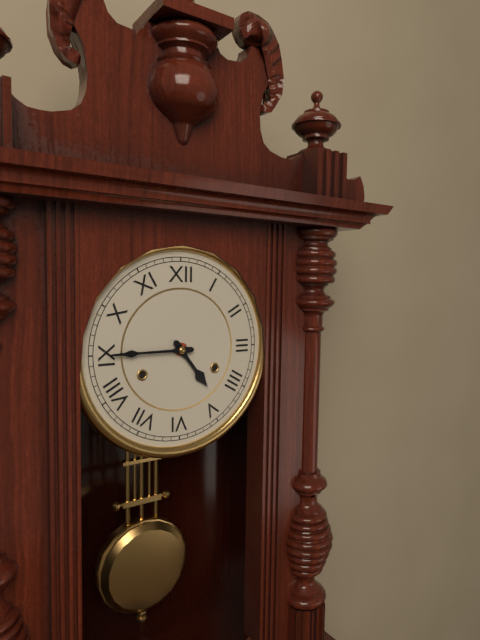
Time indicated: 4:45
